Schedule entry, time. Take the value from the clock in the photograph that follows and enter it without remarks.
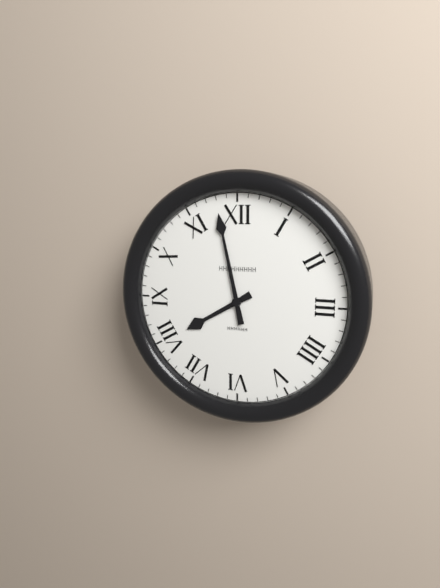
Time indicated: 7:58
